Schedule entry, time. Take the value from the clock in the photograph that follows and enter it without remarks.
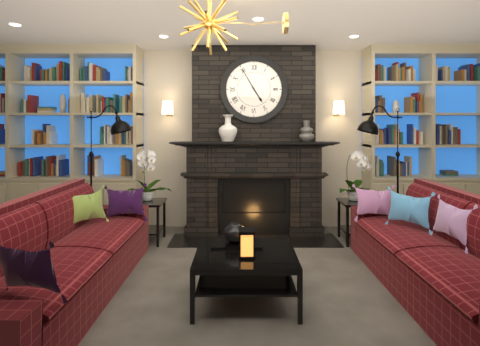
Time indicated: 4:55
